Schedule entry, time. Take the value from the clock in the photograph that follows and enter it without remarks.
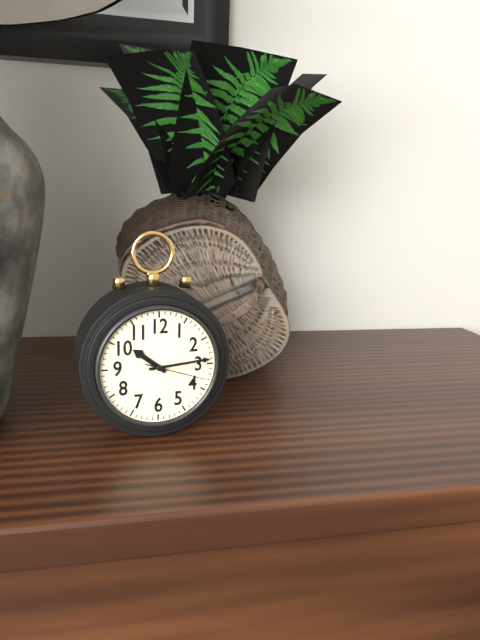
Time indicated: 10:14:18
